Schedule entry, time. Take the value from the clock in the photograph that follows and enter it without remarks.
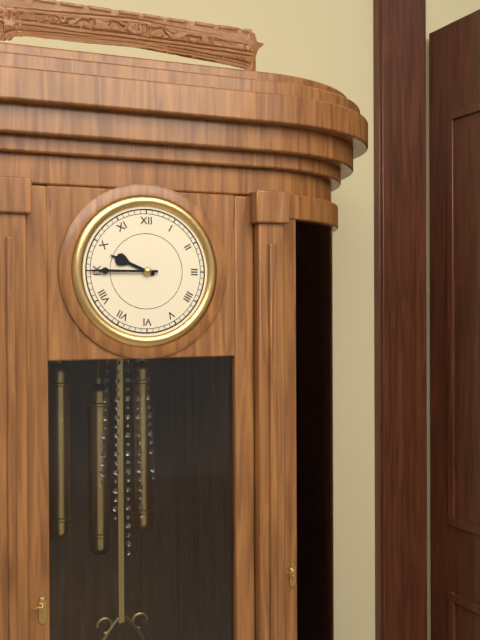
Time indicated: 9:45
